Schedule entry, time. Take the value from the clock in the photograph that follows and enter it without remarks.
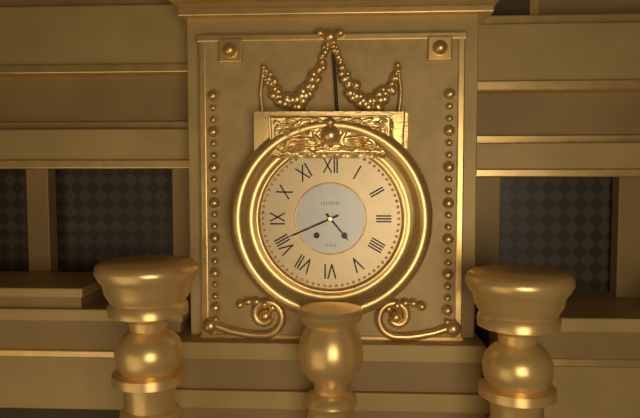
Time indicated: 4:41
